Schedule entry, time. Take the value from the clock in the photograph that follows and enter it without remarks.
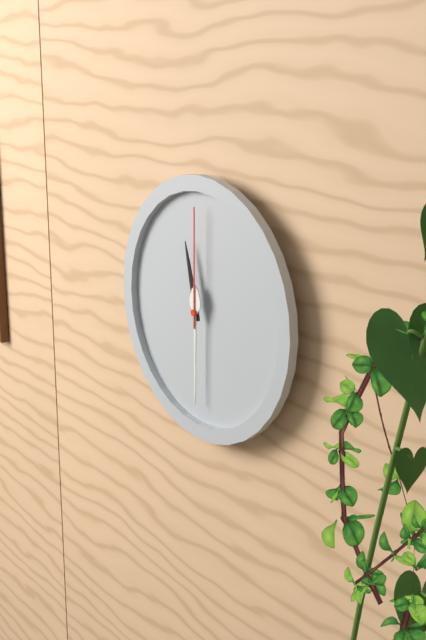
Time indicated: 11:30:00
